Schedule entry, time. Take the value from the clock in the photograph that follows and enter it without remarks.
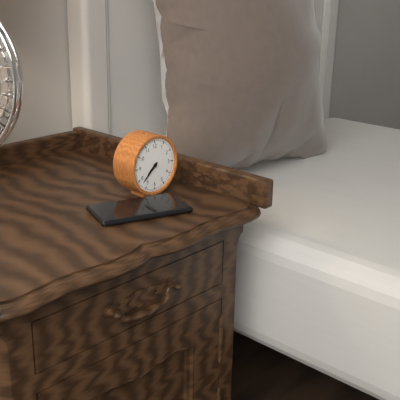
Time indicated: 7:38
